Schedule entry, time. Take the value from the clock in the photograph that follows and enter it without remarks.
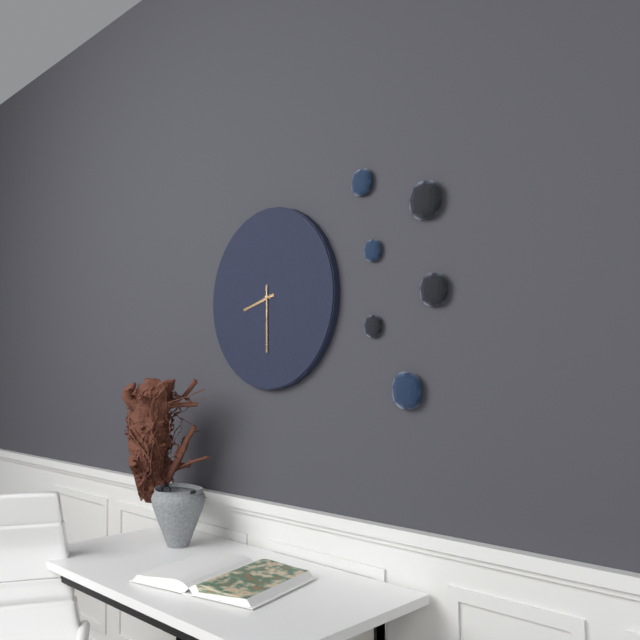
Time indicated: 8:30
